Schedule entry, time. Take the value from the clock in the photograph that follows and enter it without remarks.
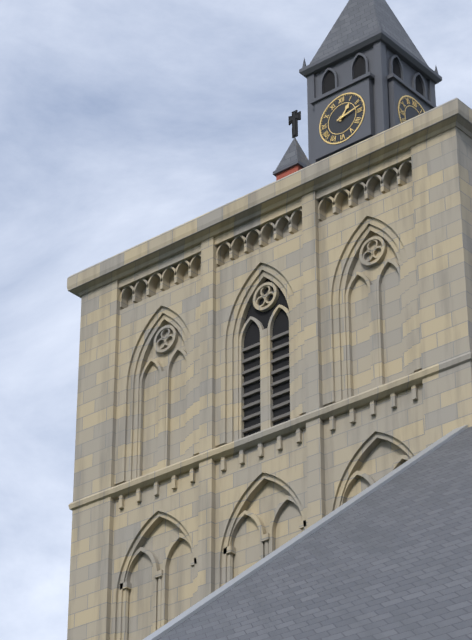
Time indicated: 1:13
